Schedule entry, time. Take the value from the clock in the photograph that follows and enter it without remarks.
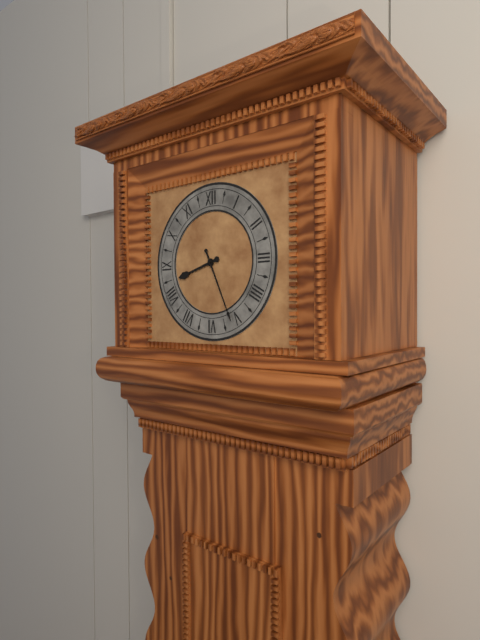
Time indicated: 8:26
